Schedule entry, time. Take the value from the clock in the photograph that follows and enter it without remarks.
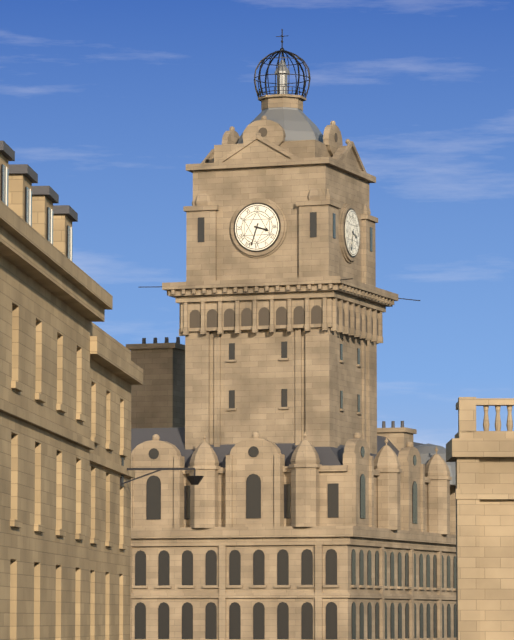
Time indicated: 3:33
